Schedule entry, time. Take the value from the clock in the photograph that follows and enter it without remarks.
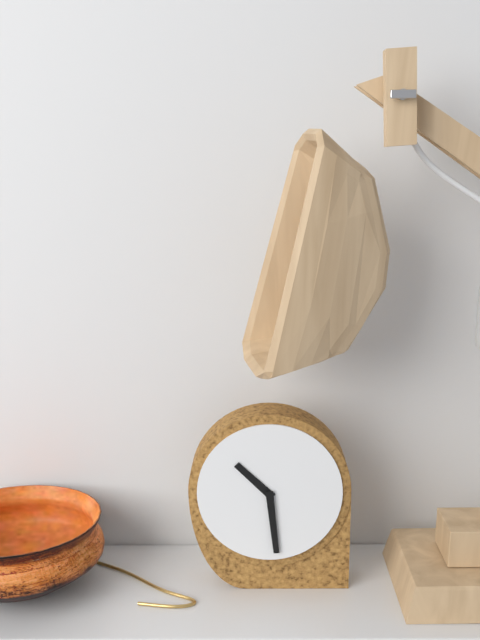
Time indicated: 10:29
